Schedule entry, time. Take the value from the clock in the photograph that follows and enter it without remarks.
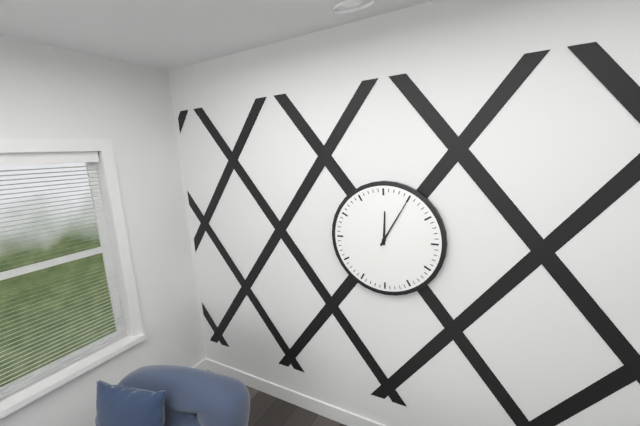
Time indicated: 12:05
